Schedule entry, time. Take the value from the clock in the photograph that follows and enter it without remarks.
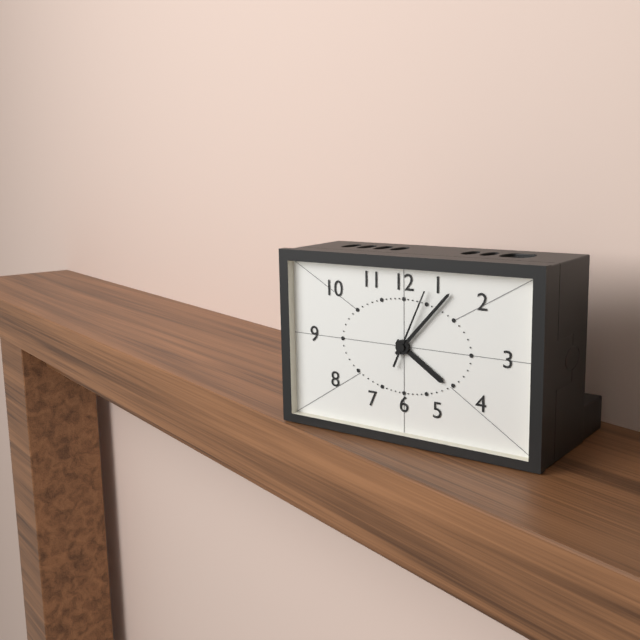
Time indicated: 4:07:04
